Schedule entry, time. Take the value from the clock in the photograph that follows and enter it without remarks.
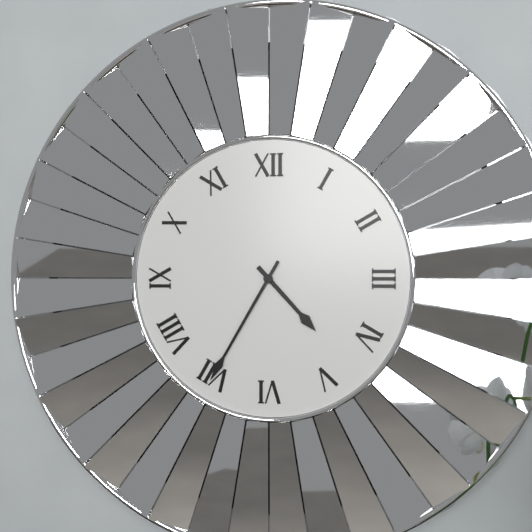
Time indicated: 4:35
